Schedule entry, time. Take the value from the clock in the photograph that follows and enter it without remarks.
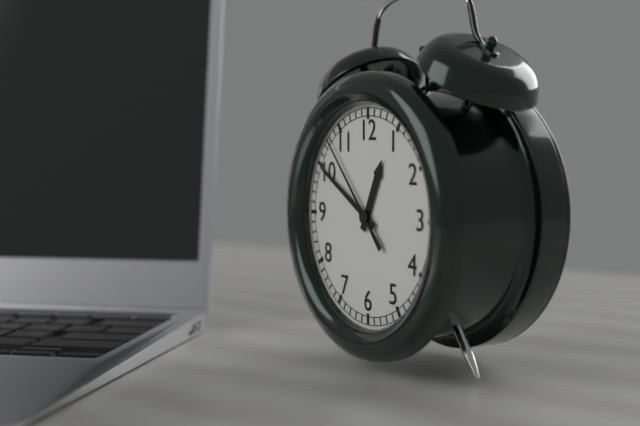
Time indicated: 12:50:53
